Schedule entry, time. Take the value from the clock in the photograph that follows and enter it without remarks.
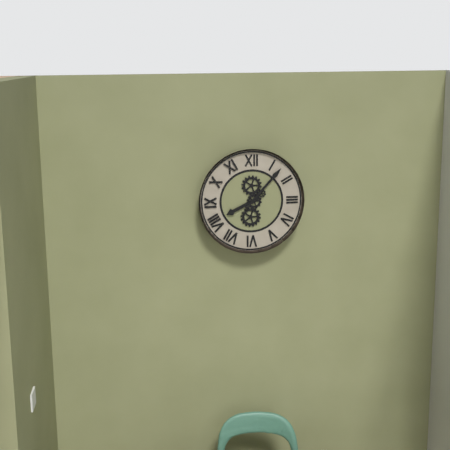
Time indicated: 8:07
